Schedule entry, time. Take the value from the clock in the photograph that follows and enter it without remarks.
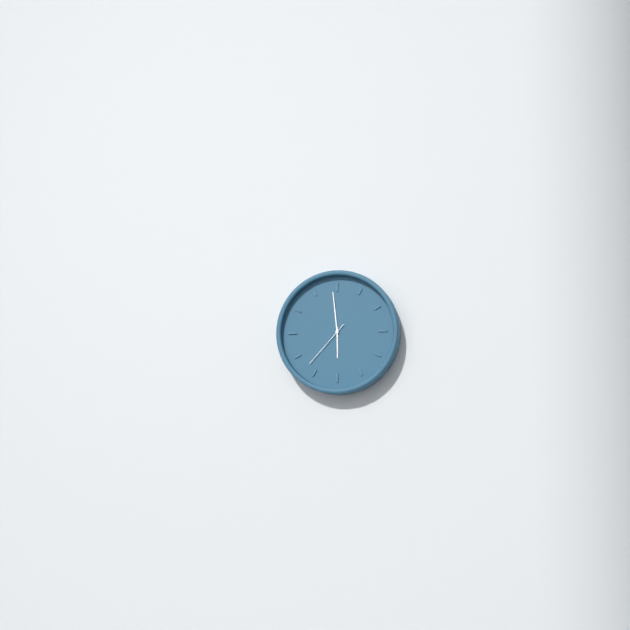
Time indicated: 5:59:37
